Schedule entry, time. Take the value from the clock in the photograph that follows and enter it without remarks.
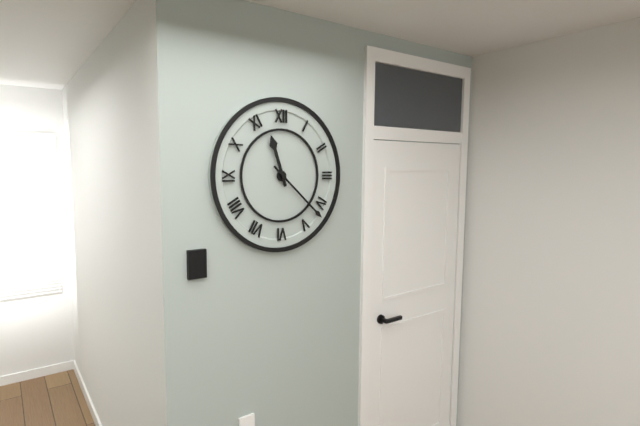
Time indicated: 11:22
